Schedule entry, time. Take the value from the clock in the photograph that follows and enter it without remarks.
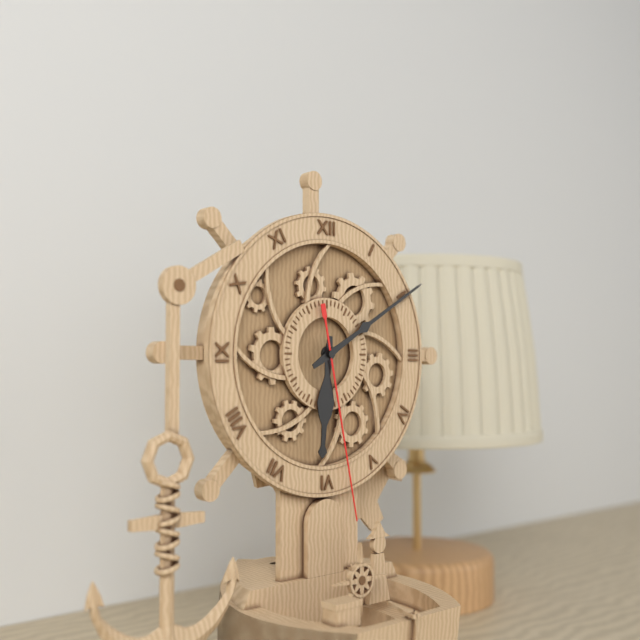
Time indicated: 6:10:28
